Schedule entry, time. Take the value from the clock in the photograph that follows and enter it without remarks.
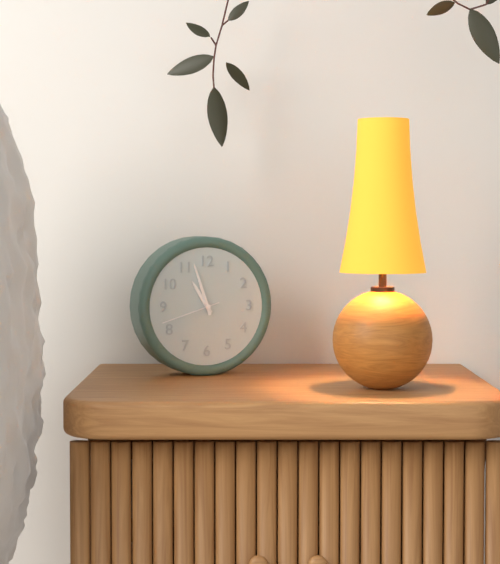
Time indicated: 10:57:42
